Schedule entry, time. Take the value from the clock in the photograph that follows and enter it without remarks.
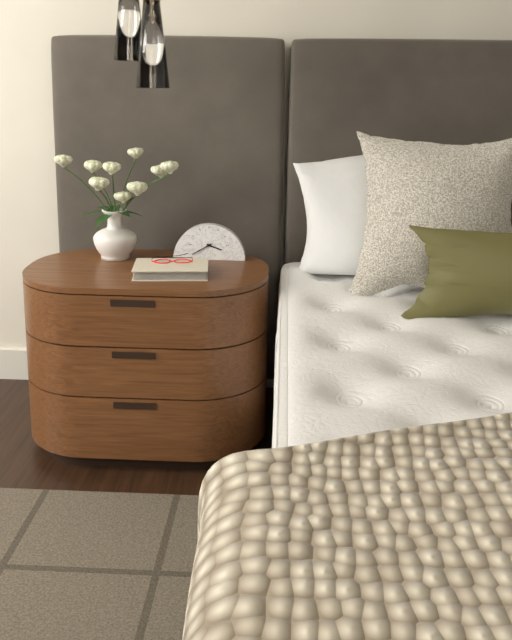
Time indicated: 3:40
